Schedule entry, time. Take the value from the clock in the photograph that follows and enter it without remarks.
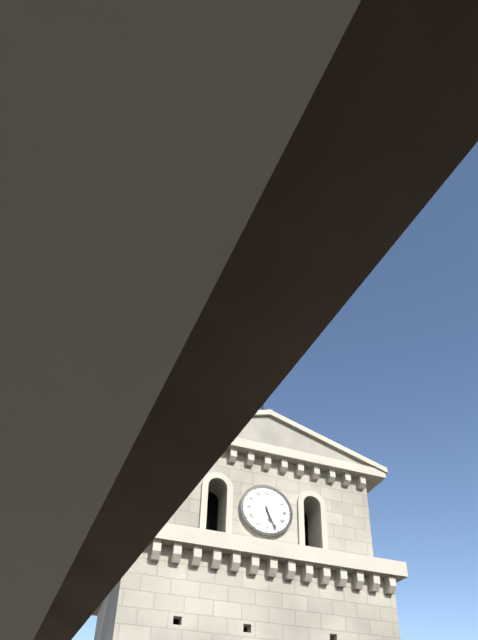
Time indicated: 5:26
